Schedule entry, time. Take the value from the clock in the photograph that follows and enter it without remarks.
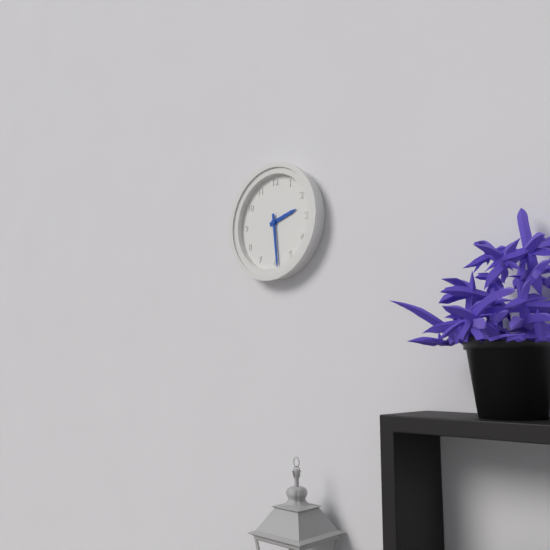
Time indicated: 2:29
